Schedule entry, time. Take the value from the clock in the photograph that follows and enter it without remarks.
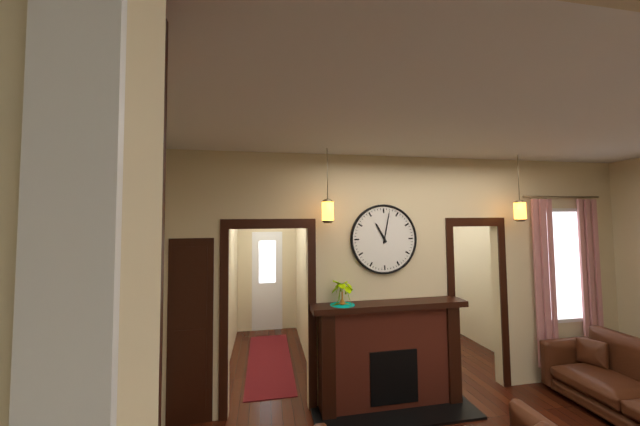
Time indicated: 11:02
